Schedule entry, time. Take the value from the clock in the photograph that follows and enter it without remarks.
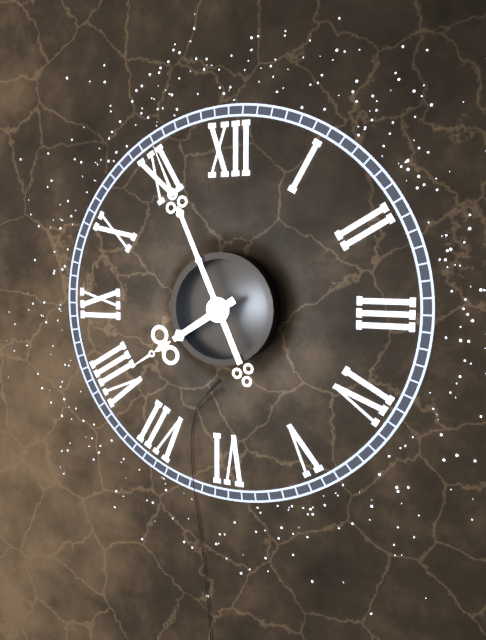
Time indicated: 7:56
